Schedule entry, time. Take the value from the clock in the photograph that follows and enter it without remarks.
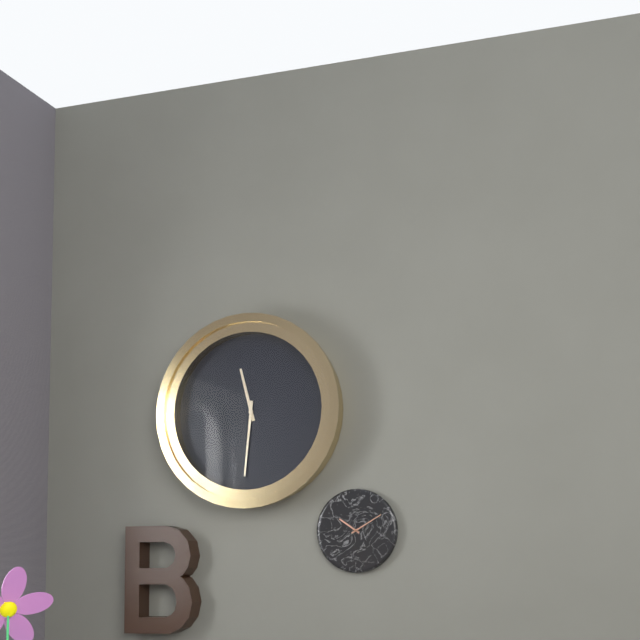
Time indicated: 11:31
